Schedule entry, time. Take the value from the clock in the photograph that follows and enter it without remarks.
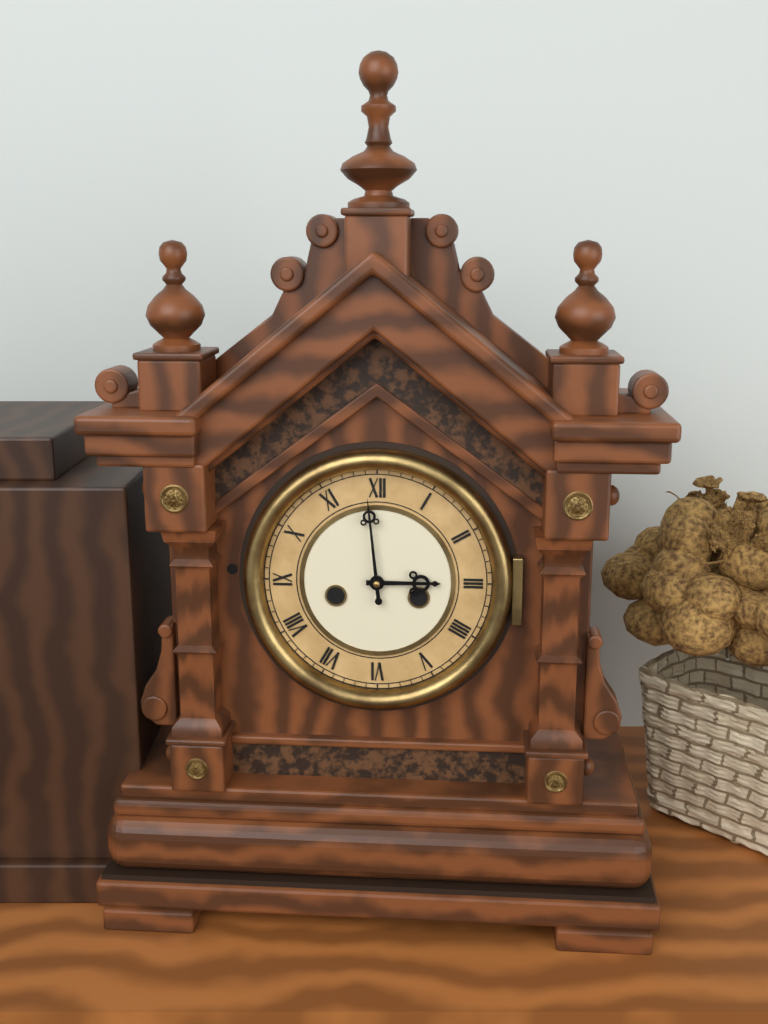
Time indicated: 2:59
